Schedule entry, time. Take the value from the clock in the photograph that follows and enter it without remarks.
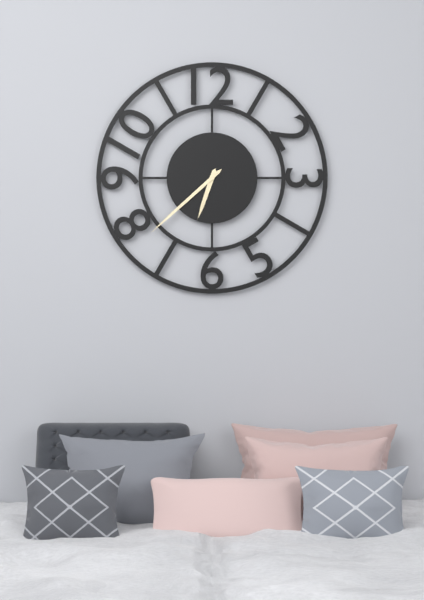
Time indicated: 6:38
